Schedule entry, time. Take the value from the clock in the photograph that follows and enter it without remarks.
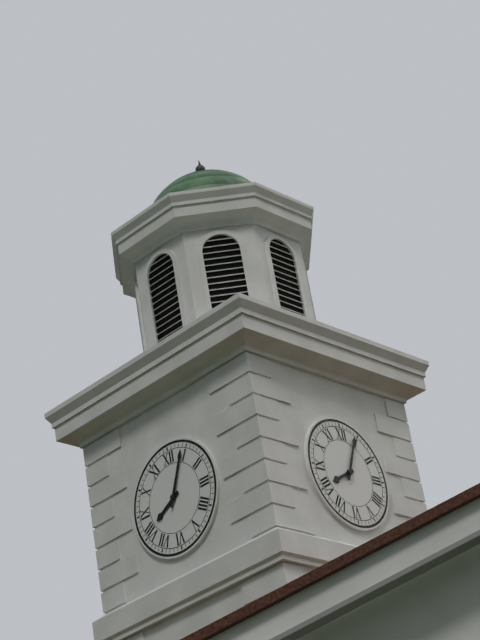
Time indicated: 8:04
